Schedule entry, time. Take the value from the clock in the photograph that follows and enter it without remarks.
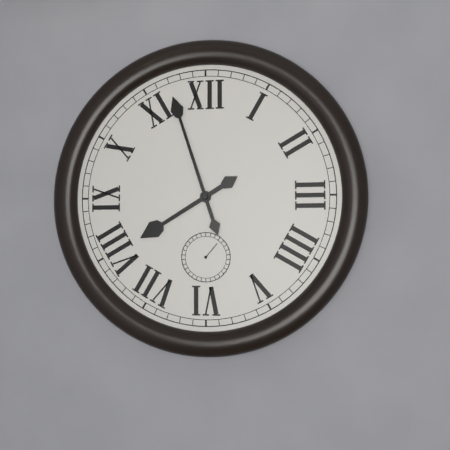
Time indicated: 7:57
